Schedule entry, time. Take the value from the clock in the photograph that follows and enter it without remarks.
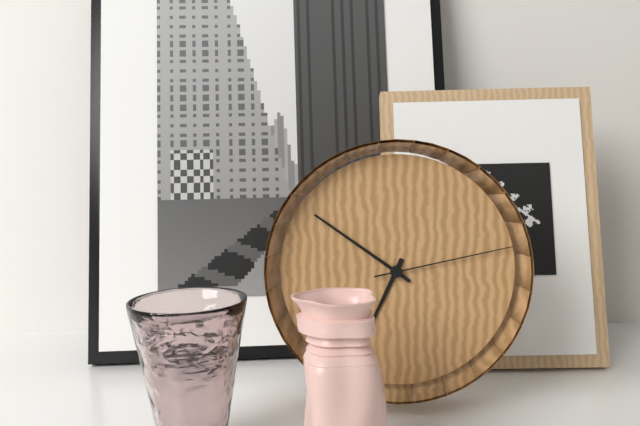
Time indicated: 6:51:13
